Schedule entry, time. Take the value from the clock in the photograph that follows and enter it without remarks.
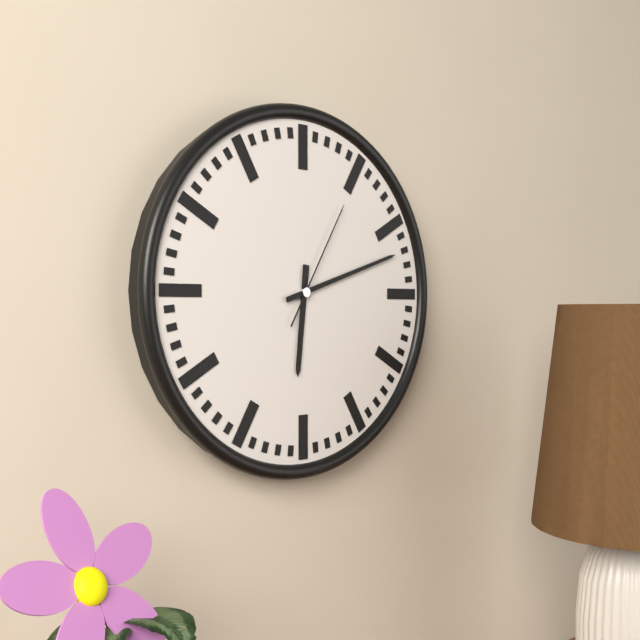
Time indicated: 6:12:05
